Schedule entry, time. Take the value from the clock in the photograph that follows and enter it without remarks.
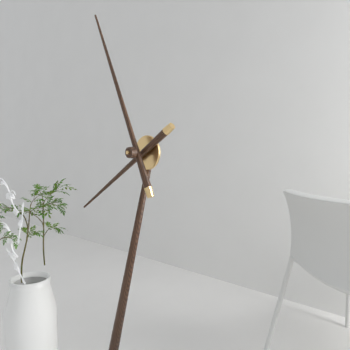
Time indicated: 7:56
